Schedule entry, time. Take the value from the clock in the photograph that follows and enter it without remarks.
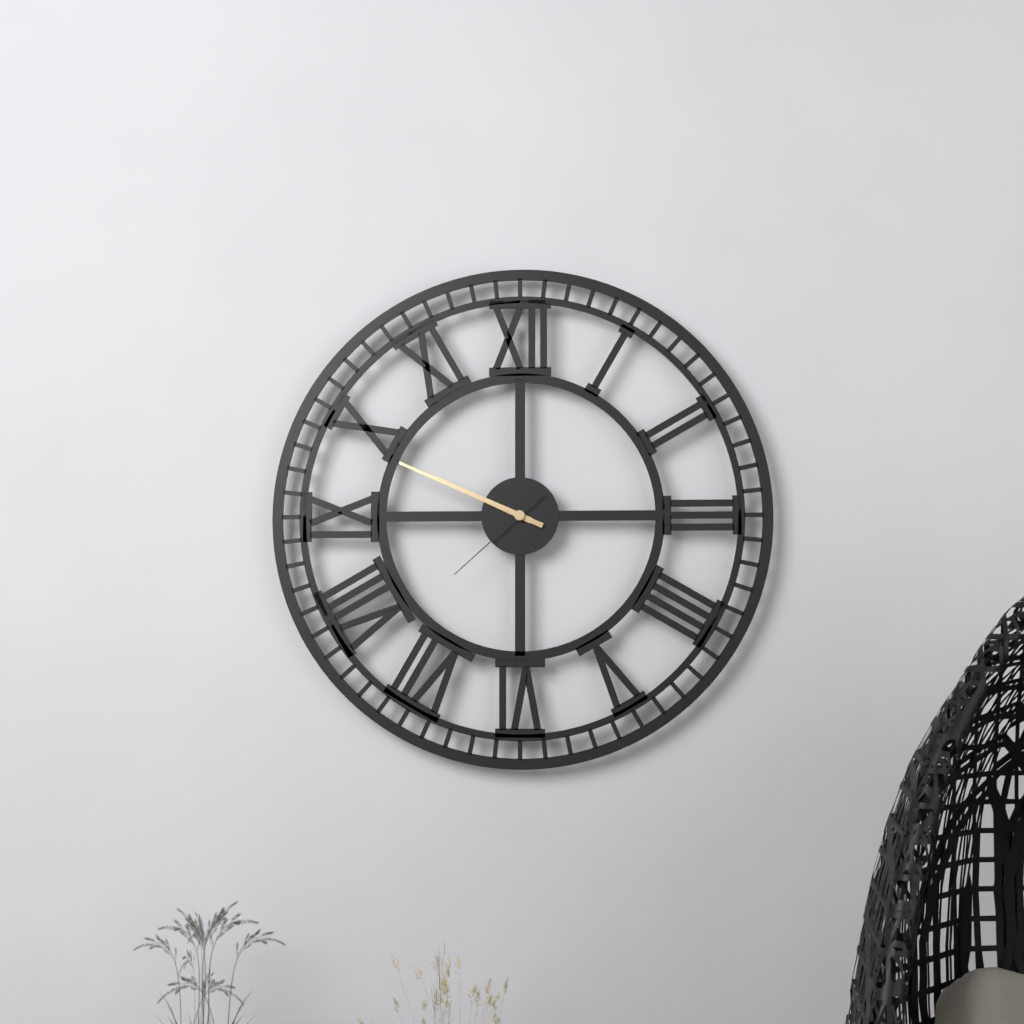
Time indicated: 9:49:38
